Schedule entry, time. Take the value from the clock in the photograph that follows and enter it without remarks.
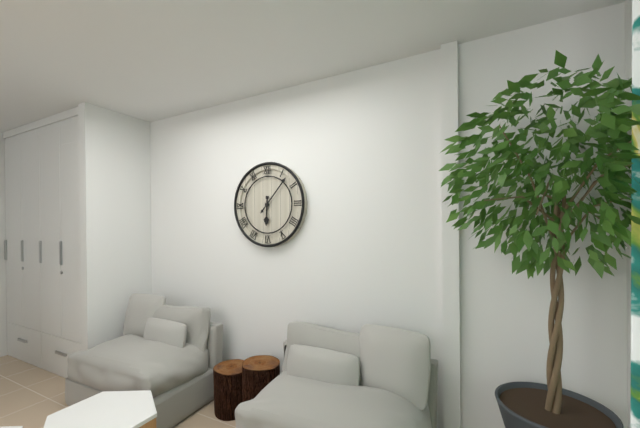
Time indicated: 6:07
